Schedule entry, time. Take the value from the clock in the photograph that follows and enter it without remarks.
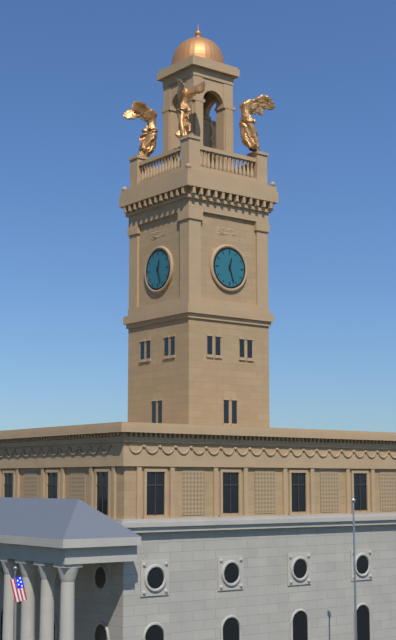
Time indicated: 12:27
